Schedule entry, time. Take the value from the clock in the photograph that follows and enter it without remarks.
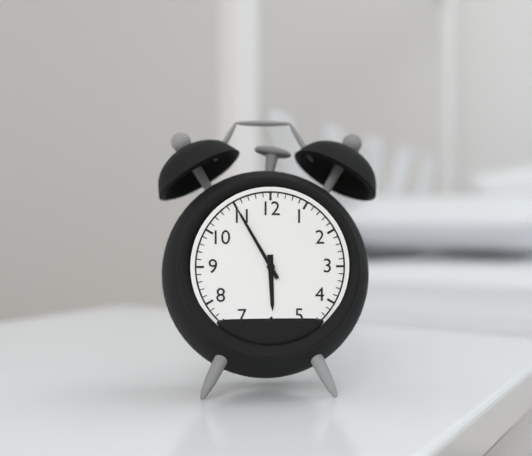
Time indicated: 5:55
